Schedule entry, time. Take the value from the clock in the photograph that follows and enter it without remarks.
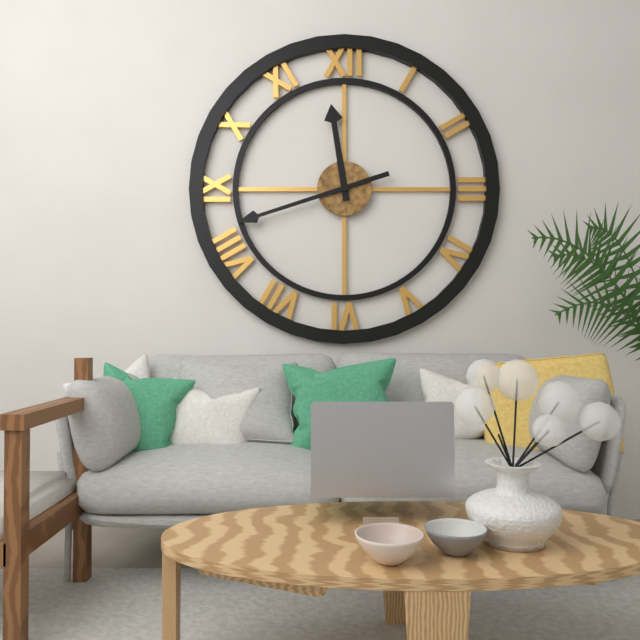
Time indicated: 11:42
